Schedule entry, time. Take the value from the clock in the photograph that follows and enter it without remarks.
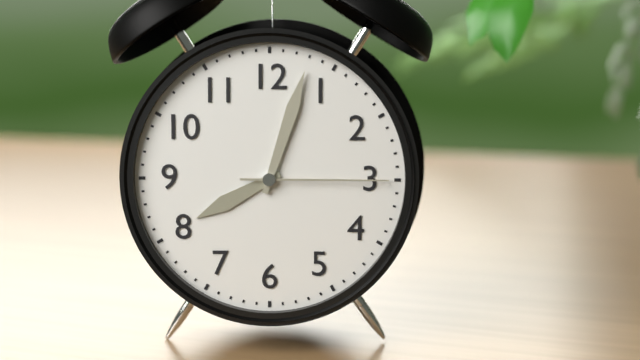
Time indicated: 8:03:15
